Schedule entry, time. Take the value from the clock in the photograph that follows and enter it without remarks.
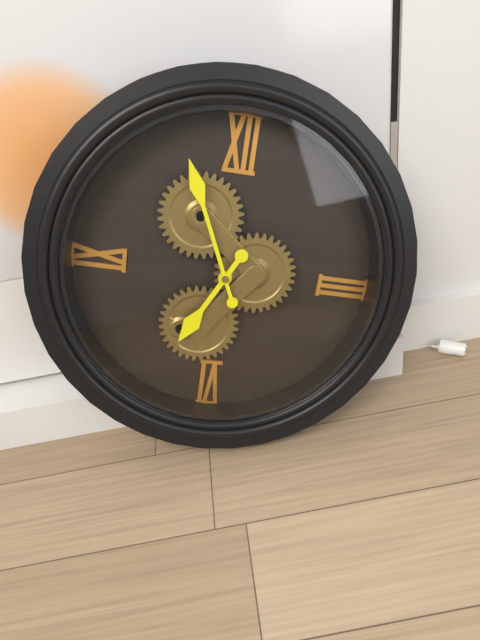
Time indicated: 6:56
